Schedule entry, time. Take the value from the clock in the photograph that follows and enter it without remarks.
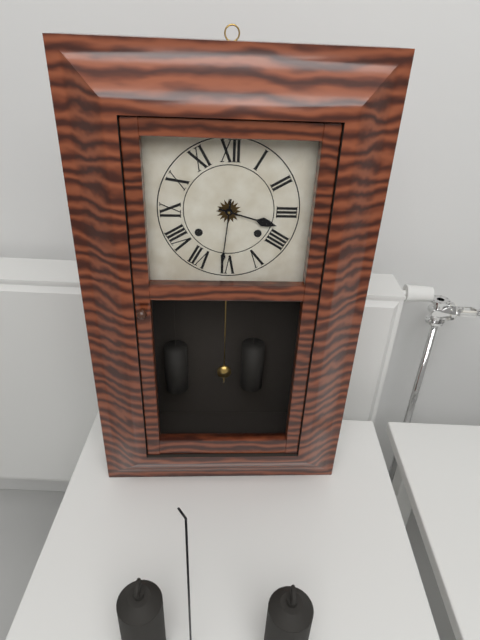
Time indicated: 3:31
